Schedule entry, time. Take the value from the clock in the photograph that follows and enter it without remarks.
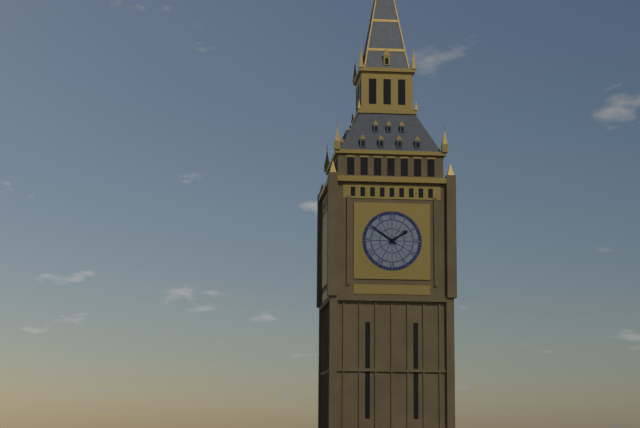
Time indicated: 1:51
